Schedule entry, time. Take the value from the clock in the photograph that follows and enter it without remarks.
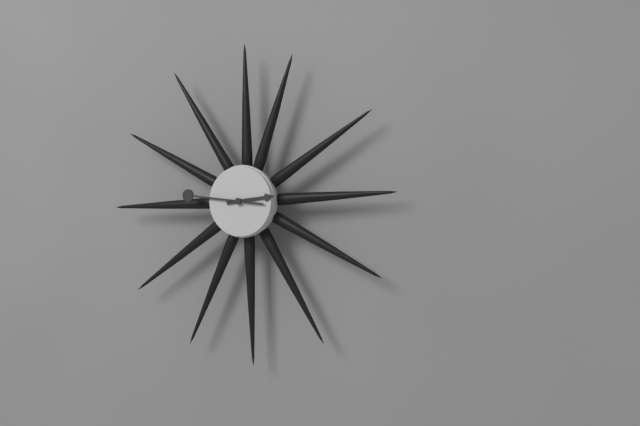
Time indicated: 2:46
